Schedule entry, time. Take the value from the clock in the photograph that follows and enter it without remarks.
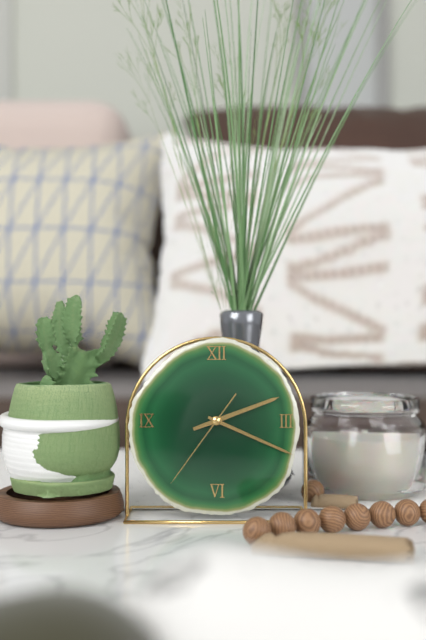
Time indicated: 2:19:36
